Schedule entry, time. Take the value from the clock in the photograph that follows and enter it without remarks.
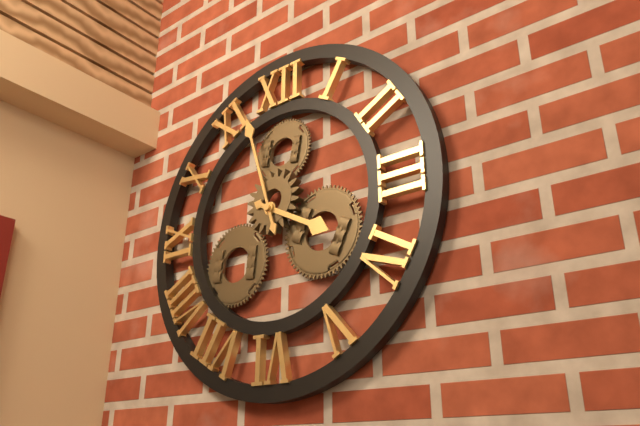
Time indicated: 3:57
